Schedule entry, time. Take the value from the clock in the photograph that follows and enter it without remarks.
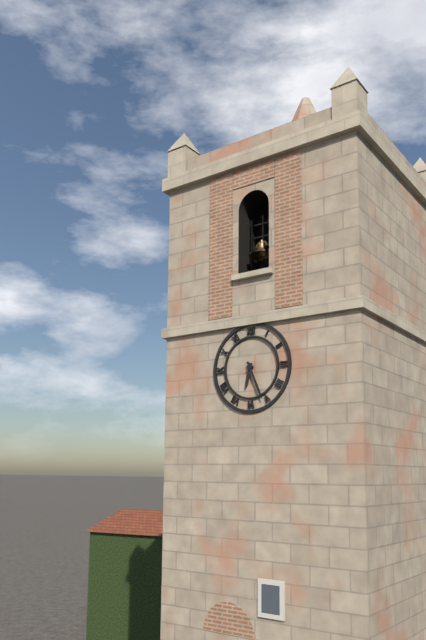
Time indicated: 6:26
